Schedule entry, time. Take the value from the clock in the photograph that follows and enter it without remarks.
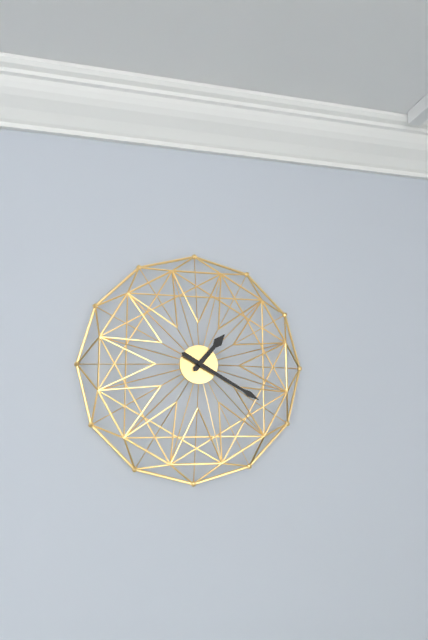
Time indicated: 1:20
